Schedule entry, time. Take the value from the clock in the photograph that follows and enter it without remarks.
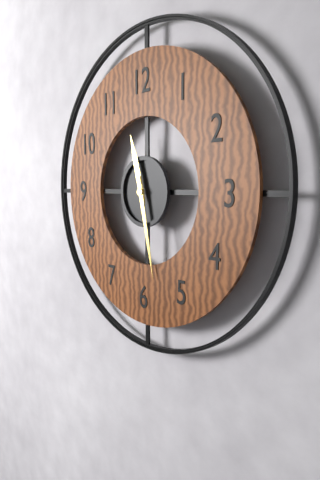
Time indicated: 11:28
